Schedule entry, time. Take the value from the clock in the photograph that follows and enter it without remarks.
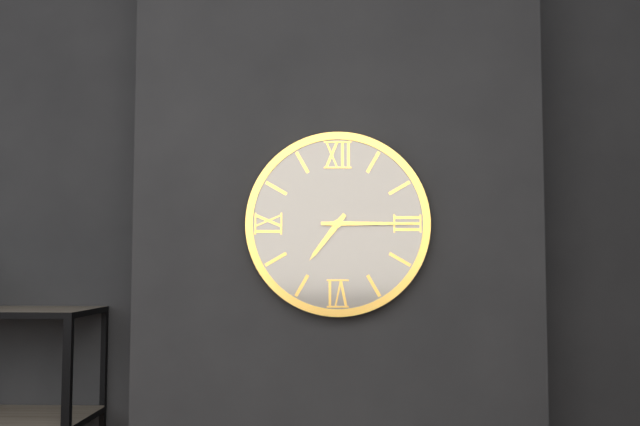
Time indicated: 7:15
